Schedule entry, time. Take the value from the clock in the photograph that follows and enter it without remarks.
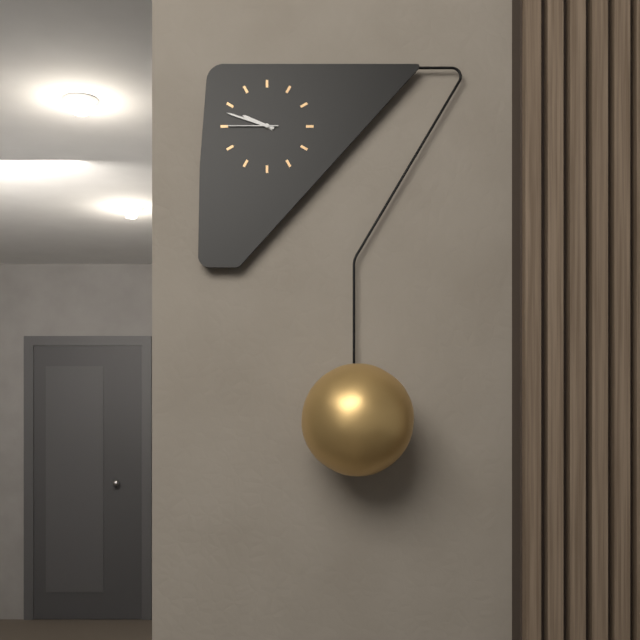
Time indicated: 9:48:45
